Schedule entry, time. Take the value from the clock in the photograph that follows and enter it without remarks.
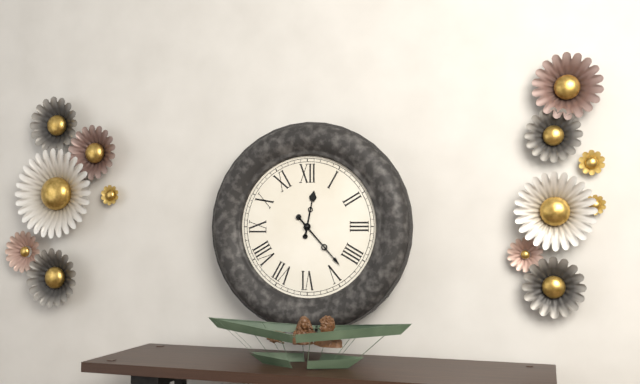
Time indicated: 12:23
